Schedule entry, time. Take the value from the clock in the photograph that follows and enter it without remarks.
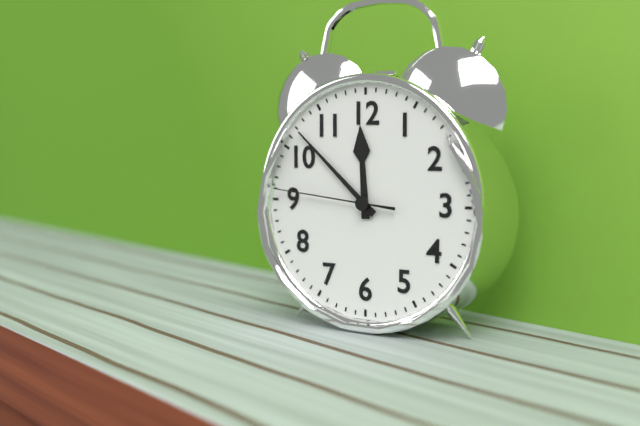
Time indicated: 11:52:46
